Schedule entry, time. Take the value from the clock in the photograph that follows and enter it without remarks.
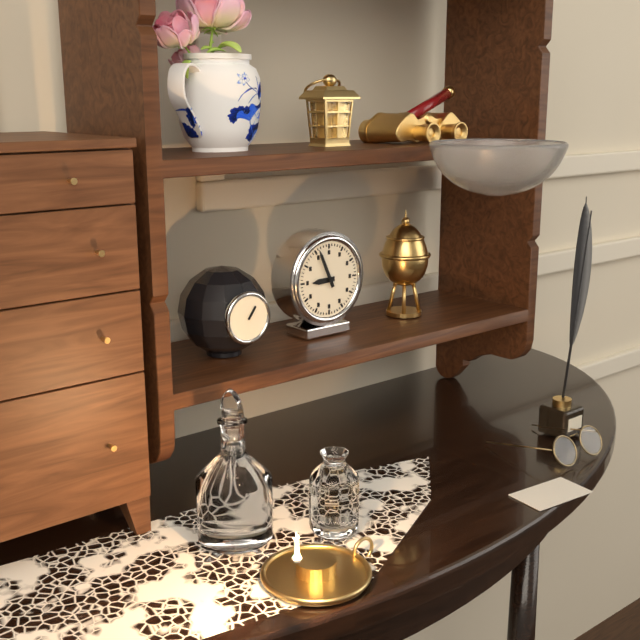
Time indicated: 8:56
